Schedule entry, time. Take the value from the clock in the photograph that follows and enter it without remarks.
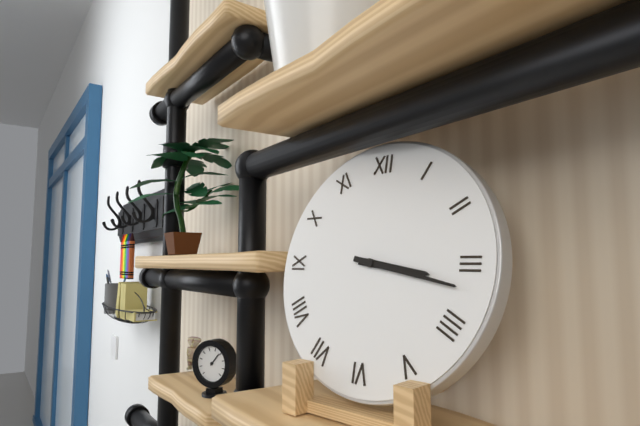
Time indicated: 3:17
